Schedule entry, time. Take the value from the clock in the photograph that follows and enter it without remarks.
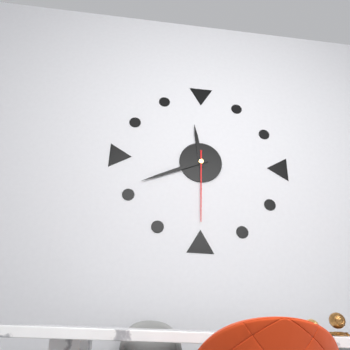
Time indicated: 11:41:30
